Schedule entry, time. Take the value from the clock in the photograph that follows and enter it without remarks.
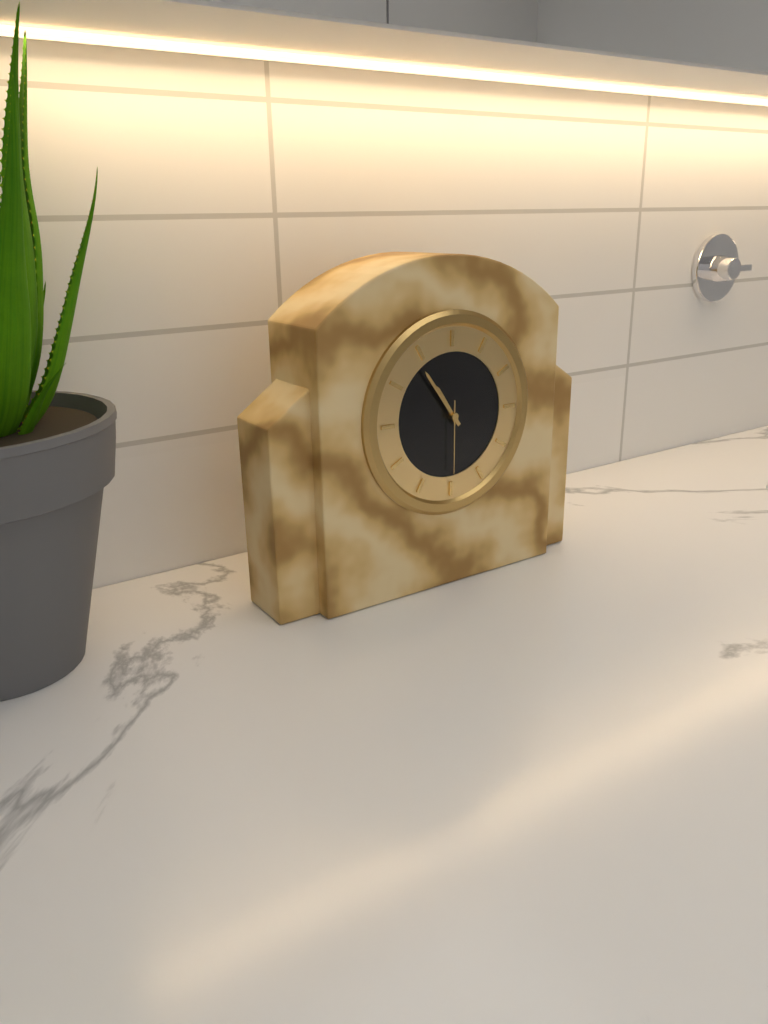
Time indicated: 10:54:30
